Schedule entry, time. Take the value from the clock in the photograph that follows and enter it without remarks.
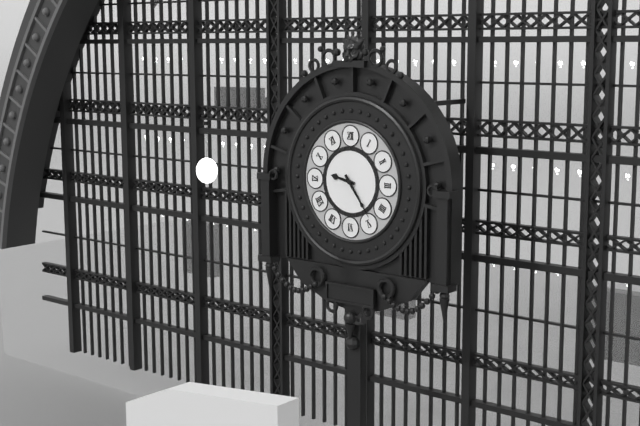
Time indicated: 9:24
